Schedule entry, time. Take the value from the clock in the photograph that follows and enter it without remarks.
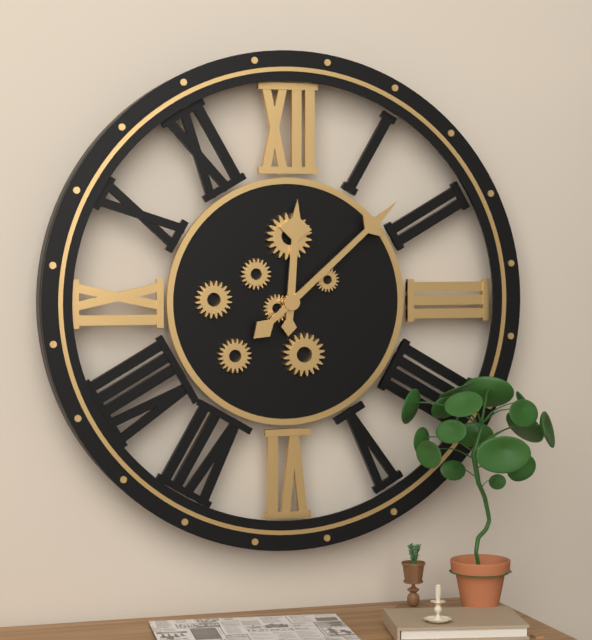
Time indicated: 12:08
